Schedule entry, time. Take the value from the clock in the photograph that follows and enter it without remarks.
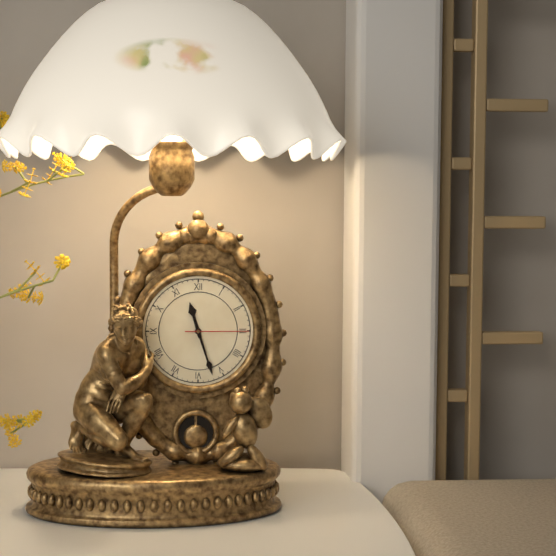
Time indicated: 11:27:15
